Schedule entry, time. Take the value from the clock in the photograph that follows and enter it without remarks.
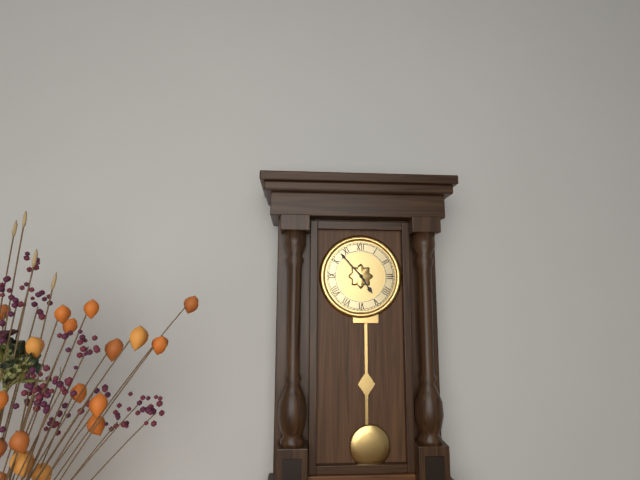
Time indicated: 4:53
